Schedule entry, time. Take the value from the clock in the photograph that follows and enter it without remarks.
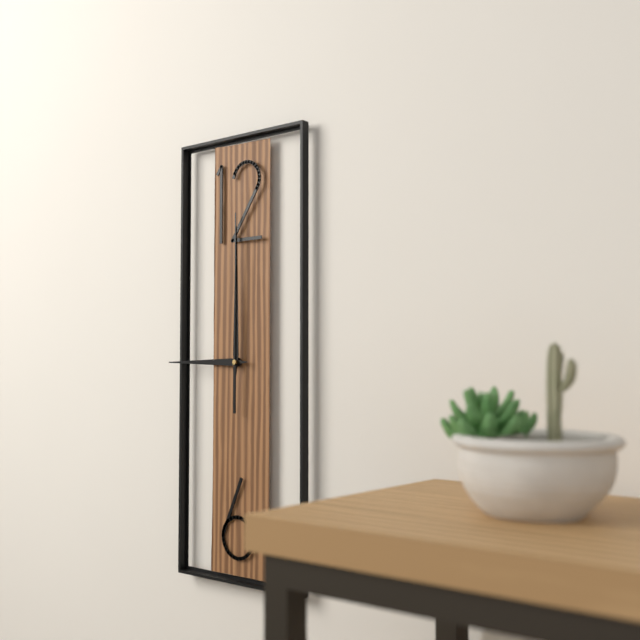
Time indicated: 9:00:00
